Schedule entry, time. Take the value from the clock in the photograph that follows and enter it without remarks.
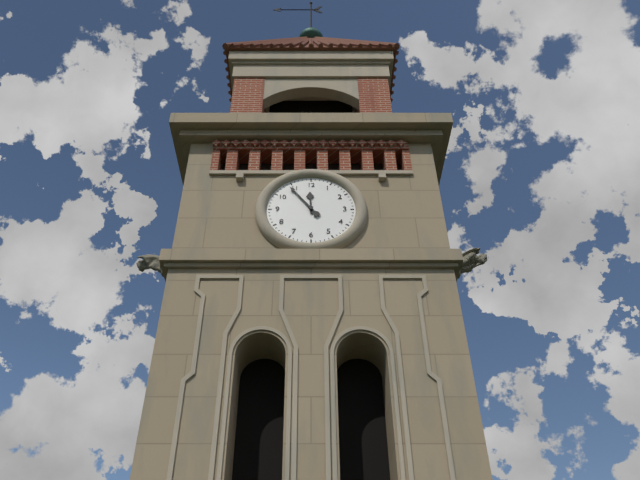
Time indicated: 11:54
